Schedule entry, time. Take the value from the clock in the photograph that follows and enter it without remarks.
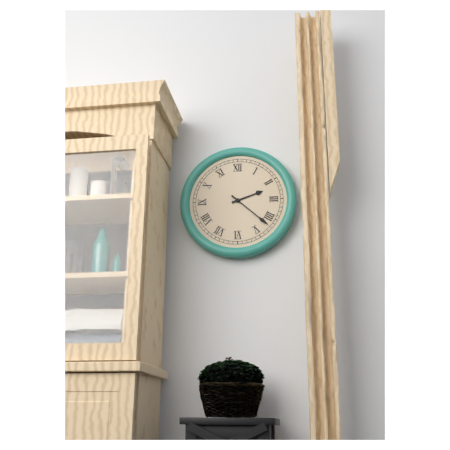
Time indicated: 2:22
